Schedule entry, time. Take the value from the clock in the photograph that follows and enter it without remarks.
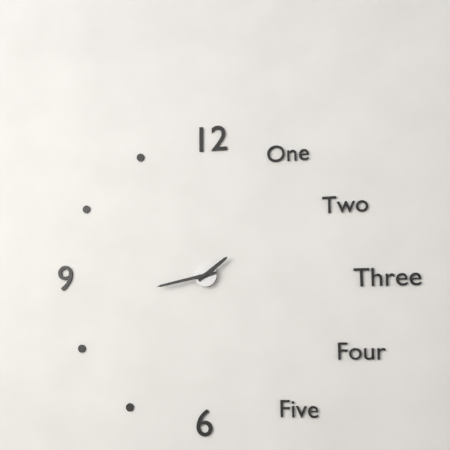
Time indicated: 1:43
